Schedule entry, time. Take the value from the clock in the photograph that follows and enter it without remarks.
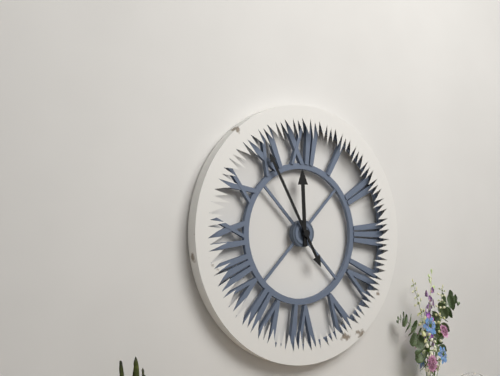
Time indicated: 11:55
